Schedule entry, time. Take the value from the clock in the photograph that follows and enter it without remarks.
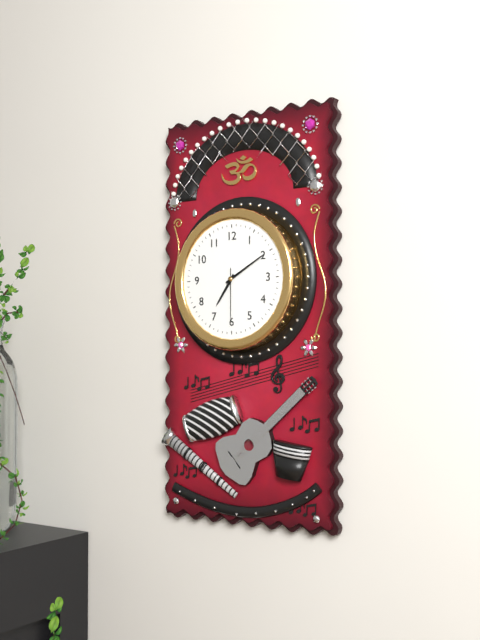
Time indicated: 7:10:30
